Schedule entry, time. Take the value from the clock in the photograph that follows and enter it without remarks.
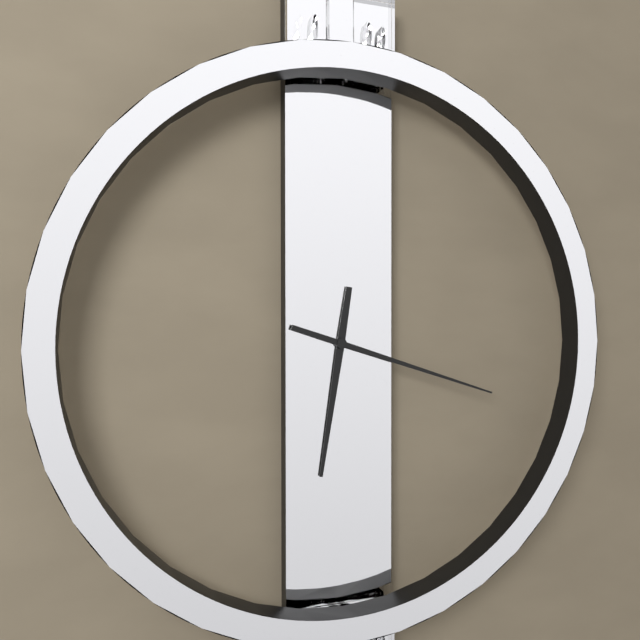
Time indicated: 6:18
